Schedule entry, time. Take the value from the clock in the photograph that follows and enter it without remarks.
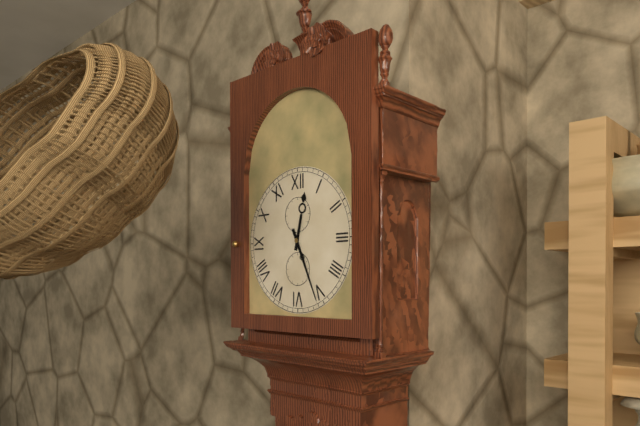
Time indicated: 12:26
